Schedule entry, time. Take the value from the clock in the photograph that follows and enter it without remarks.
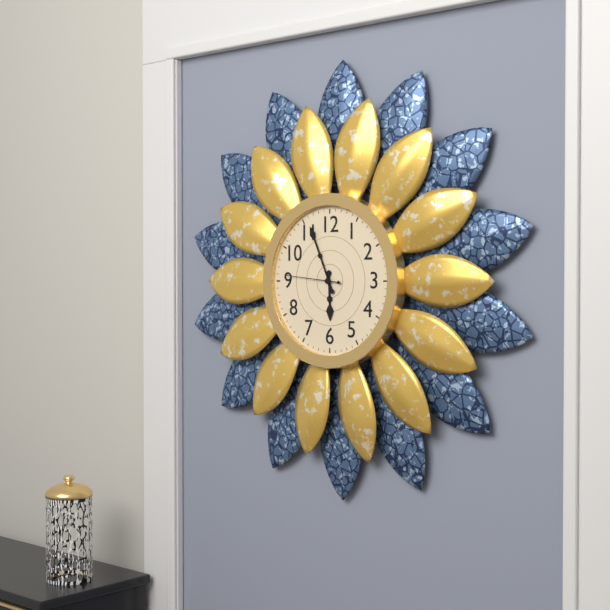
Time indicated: 5:56:46
